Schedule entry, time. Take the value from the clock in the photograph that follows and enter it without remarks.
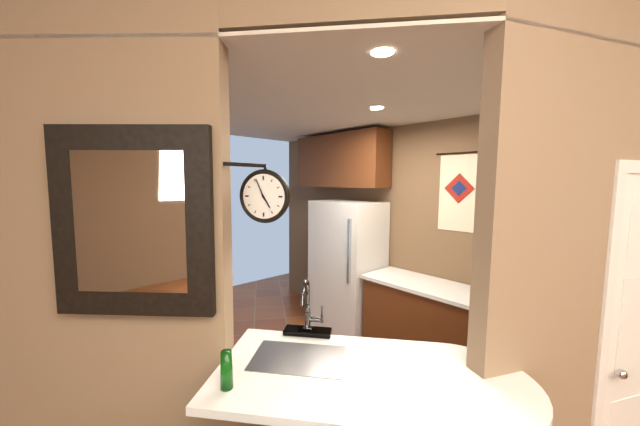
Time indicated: 4:56
